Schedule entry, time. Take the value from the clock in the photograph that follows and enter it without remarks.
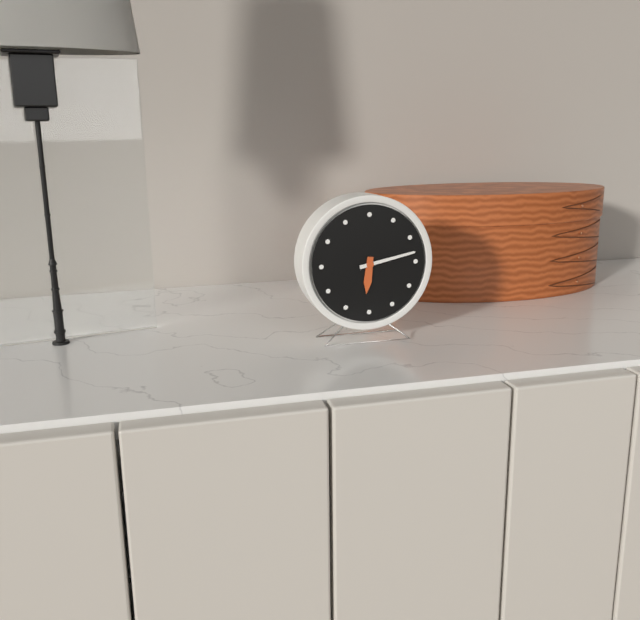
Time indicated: 6:13
